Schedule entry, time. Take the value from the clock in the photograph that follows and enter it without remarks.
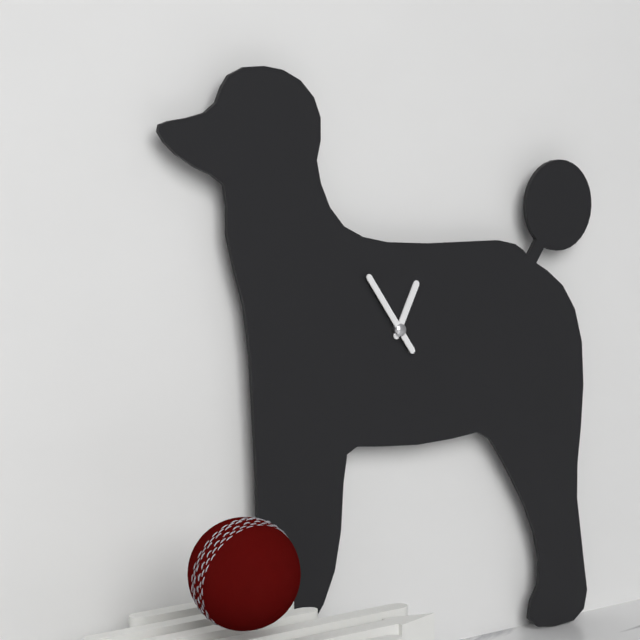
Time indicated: 12:54
